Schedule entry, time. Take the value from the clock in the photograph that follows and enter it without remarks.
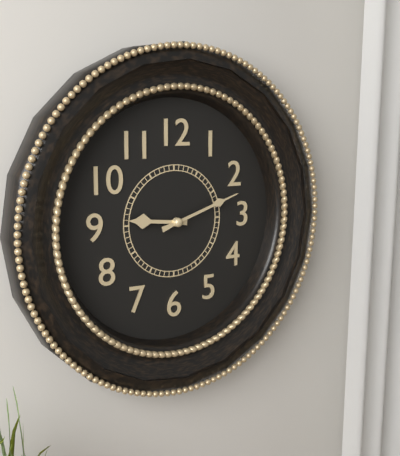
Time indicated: 9:12
